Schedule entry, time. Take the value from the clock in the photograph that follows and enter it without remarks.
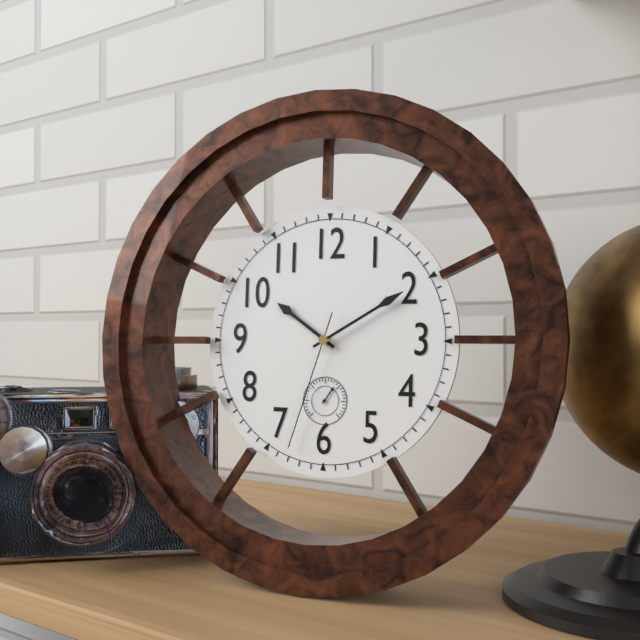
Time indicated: 10:10:33
